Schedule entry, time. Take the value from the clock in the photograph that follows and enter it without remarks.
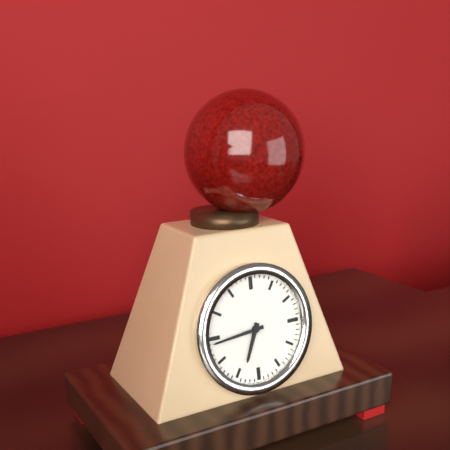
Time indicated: 6:44
